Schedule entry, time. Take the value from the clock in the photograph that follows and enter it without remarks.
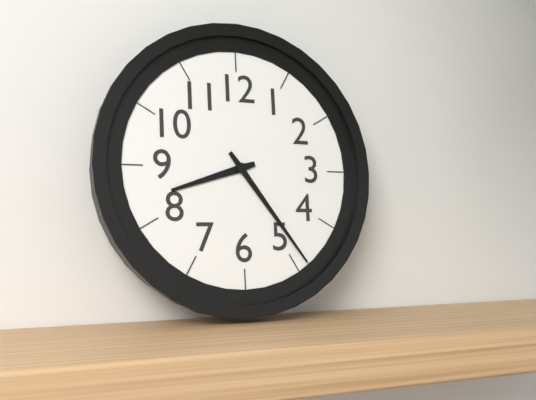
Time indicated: 8:24
